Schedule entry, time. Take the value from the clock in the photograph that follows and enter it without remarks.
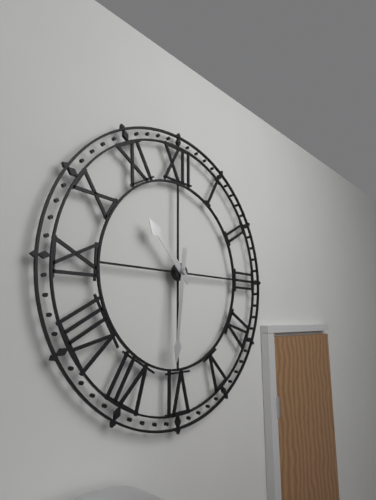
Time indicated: 10:31
